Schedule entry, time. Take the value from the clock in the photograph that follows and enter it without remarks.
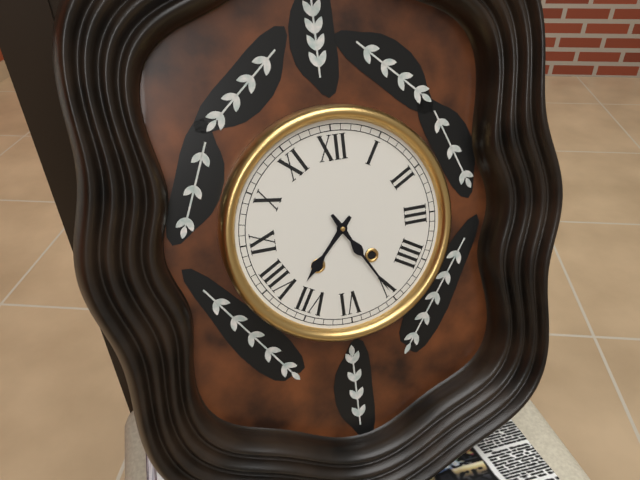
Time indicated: 7:25
